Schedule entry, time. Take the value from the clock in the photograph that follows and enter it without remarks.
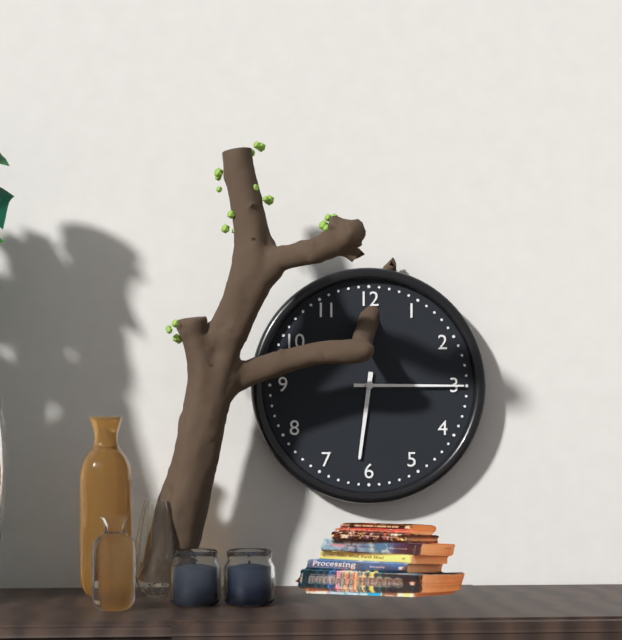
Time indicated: 6:15
